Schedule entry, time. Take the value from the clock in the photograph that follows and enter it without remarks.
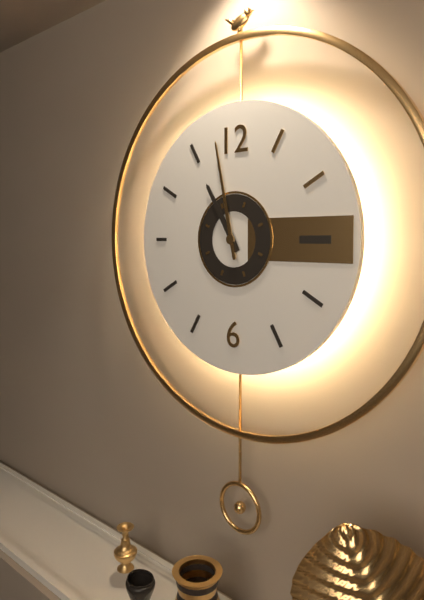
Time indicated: 10:58
